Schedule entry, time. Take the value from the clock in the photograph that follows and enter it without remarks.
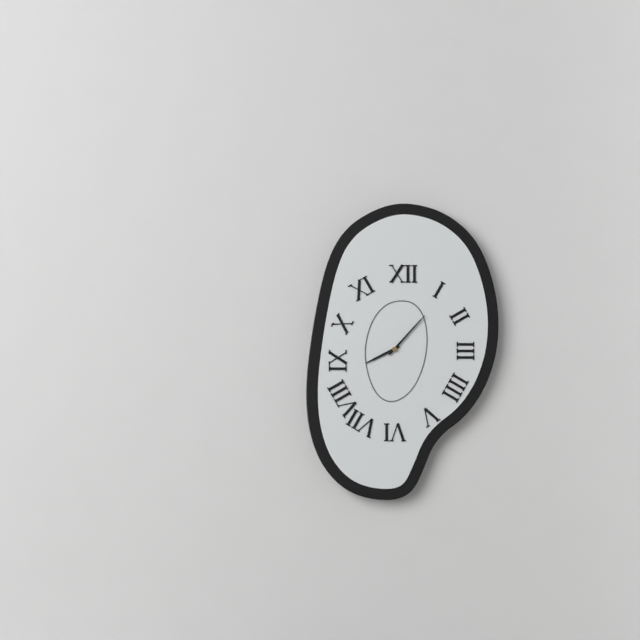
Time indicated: 8:07
